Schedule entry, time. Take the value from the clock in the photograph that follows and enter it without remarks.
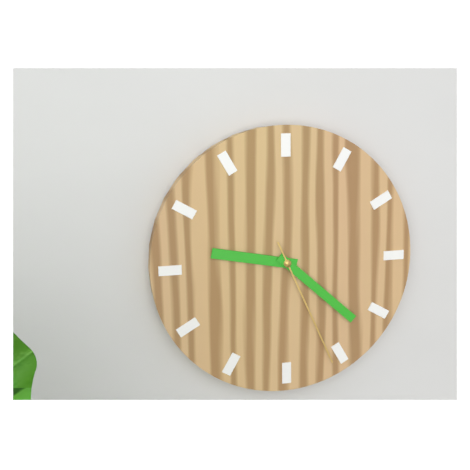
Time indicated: 9:22:26
